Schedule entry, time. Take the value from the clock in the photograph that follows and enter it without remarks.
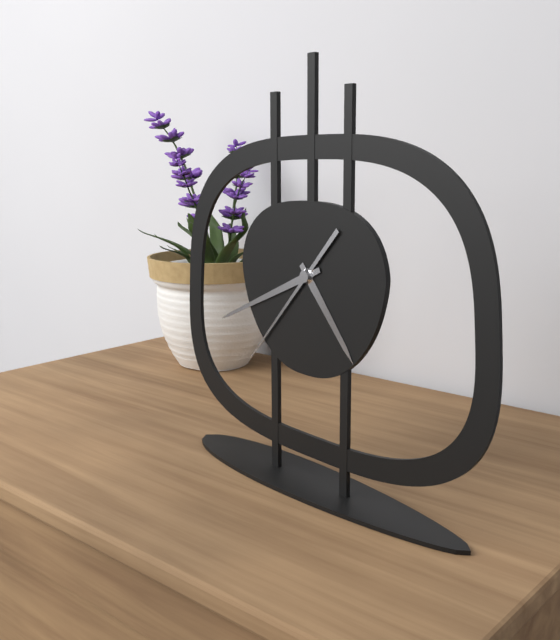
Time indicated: 4:41:37
